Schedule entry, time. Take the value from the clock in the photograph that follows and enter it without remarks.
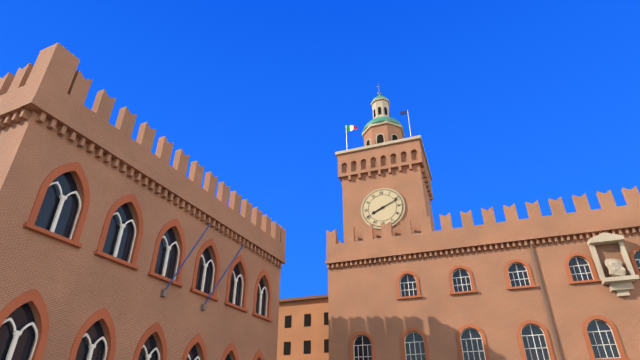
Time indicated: 8:11
